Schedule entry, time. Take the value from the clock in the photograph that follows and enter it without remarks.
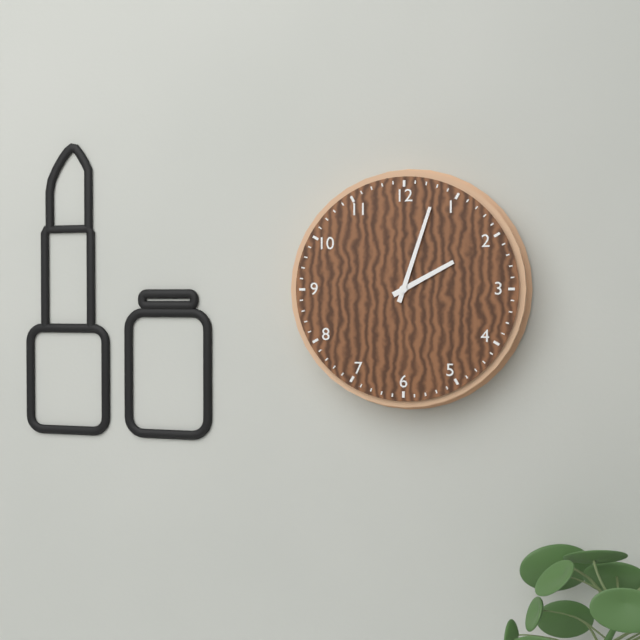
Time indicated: 2:03
